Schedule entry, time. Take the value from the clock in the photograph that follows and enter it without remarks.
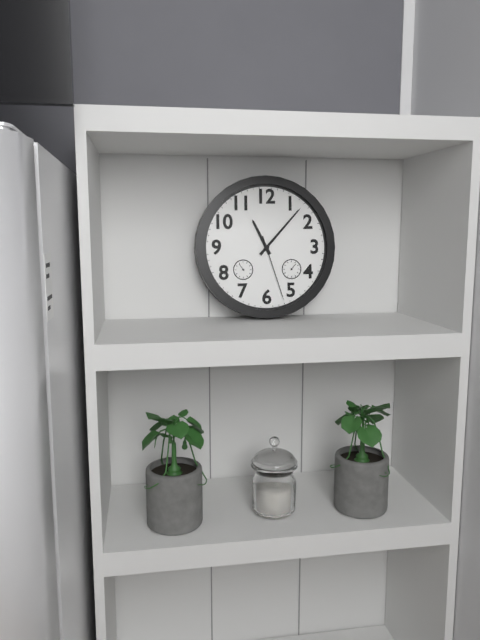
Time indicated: 11:07:27
